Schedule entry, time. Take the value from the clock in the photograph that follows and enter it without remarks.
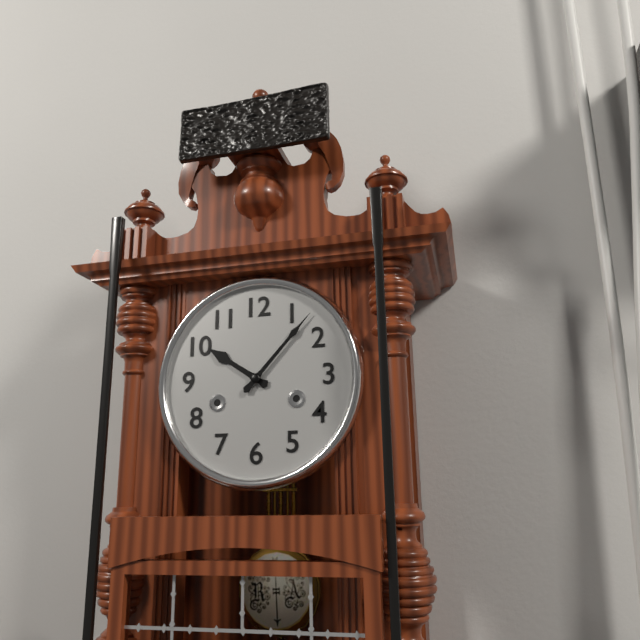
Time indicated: 10:07
